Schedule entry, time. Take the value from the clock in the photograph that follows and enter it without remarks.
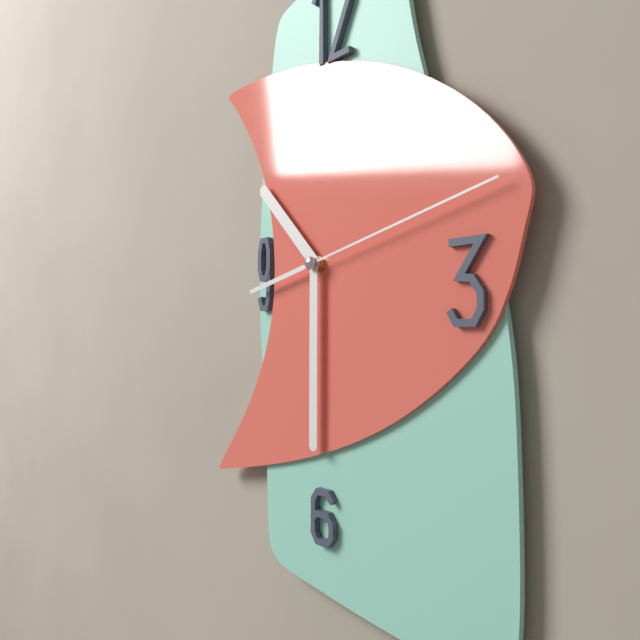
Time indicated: 10:30:13
